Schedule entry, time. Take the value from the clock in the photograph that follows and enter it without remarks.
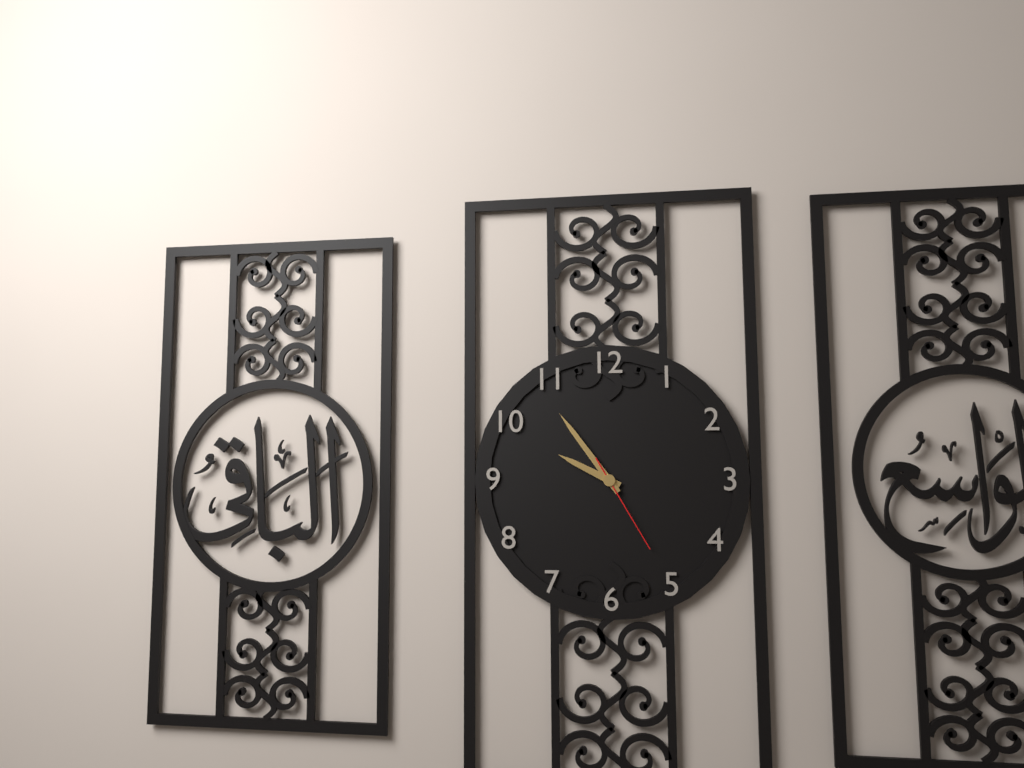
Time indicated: 9:54:25
